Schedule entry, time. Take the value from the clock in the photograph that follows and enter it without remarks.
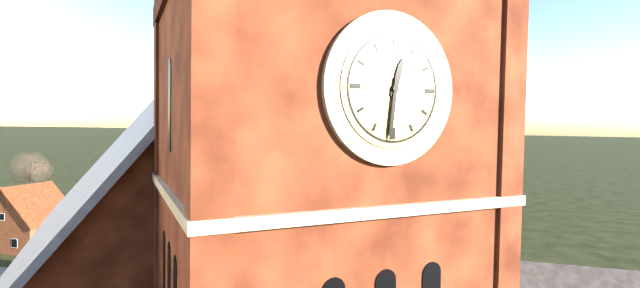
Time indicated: 12:31
